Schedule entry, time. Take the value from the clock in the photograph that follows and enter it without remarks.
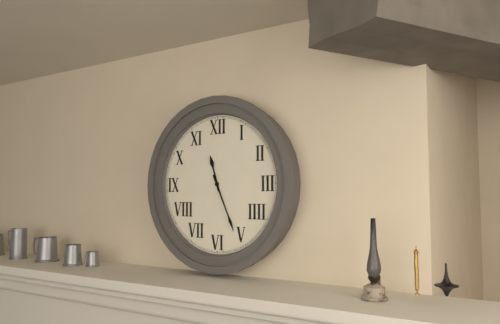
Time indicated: 11:26
